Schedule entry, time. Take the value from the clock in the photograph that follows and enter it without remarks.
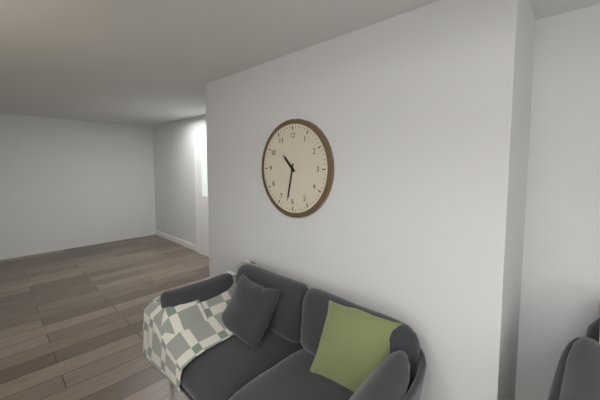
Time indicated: 10:32
